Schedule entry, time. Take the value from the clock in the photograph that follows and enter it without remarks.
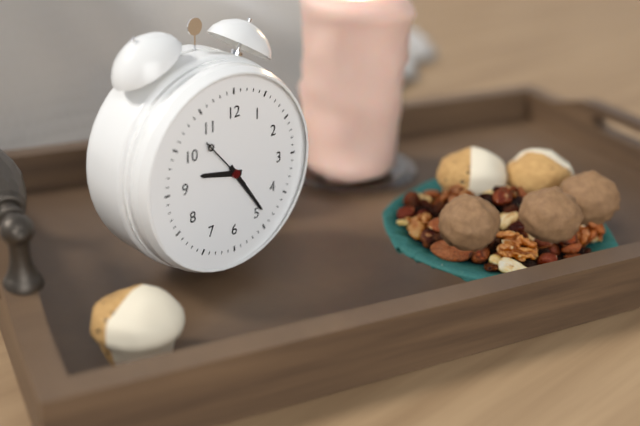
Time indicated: 9:24
